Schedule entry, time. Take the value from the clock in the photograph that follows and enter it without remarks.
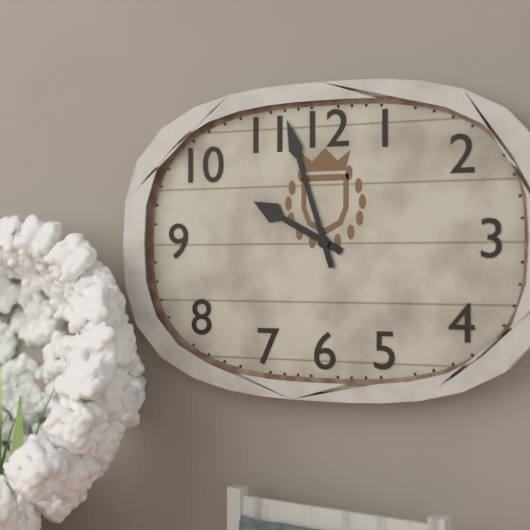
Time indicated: 9:57
